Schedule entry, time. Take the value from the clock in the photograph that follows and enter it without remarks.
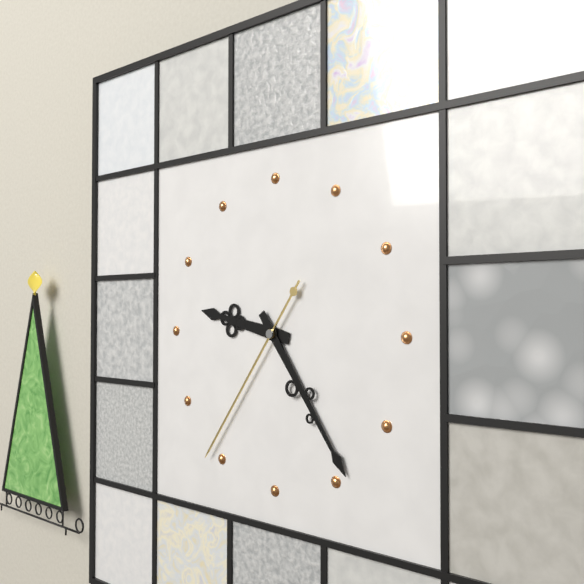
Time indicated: 9:24:36
